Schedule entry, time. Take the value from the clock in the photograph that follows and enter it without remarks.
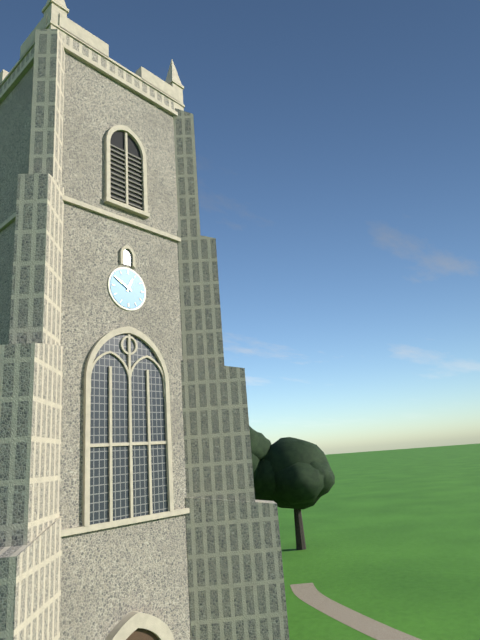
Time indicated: 12:50
